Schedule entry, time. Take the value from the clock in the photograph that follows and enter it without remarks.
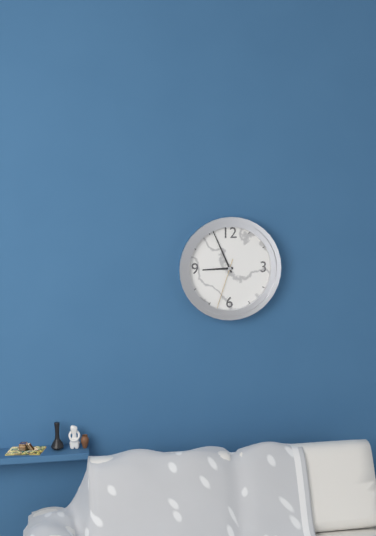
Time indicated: 8:56:33
